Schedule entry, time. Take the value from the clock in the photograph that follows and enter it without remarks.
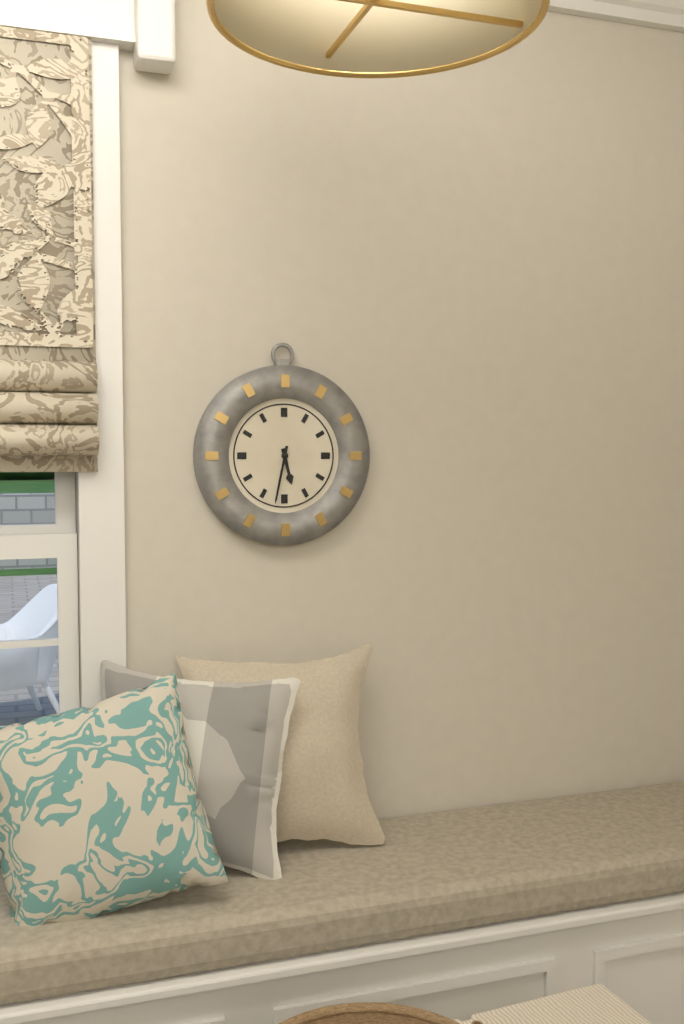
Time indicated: 5:32
